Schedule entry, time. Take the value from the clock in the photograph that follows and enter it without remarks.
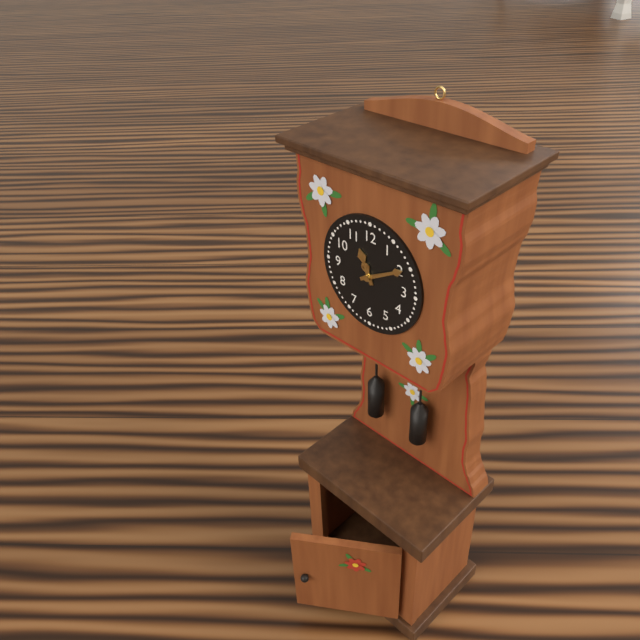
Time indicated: 11:10
